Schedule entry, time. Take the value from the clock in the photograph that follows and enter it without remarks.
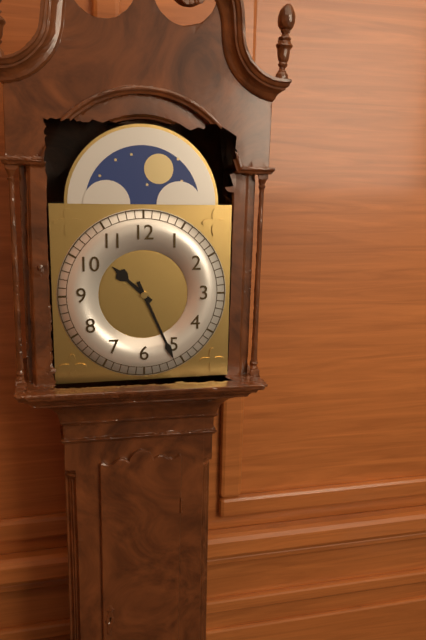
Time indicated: 10:26
